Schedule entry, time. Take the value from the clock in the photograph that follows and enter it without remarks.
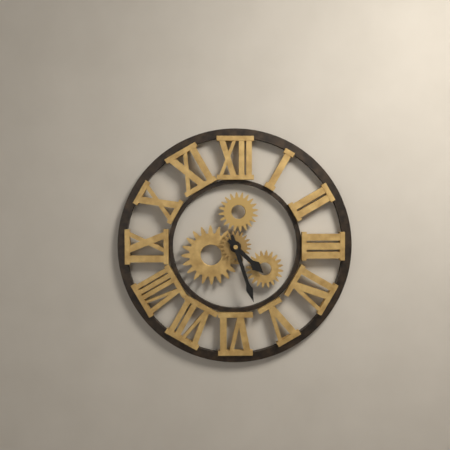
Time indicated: 4:27
